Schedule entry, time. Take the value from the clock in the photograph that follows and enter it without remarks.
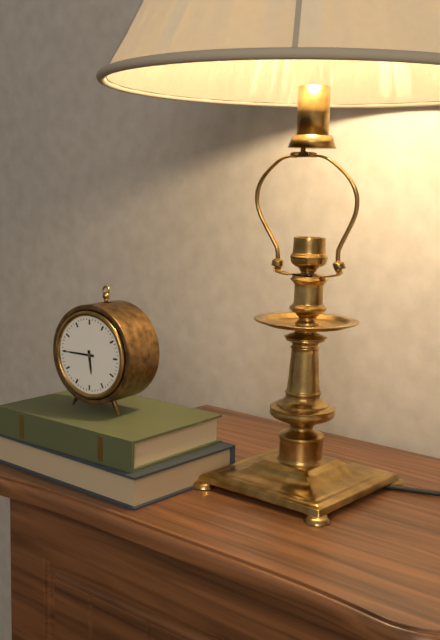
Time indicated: 5:45
